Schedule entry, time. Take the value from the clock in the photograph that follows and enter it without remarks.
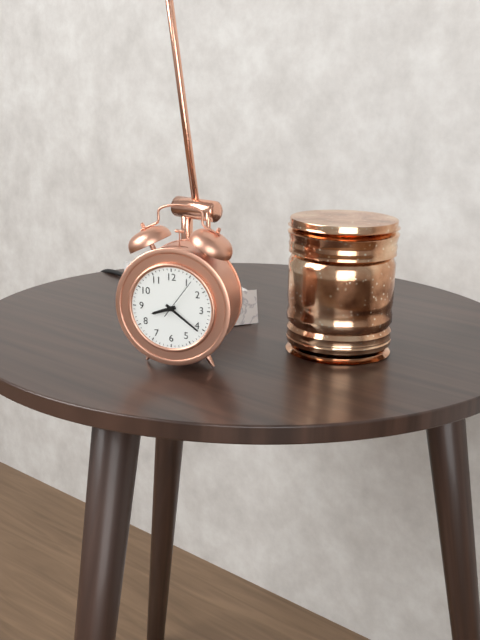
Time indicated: 8:21
